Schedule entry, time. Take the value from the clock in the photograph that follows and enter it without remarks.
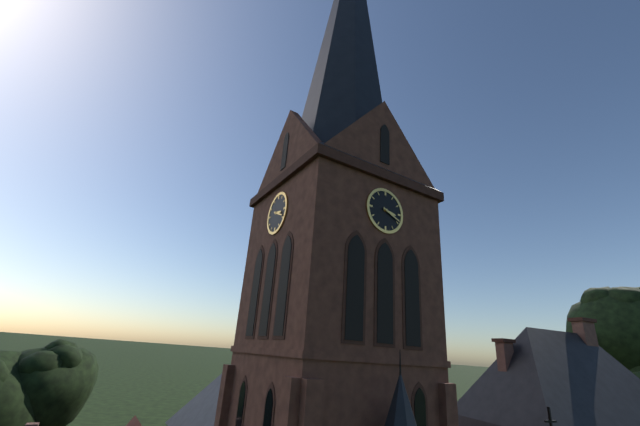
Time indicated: 3:19
